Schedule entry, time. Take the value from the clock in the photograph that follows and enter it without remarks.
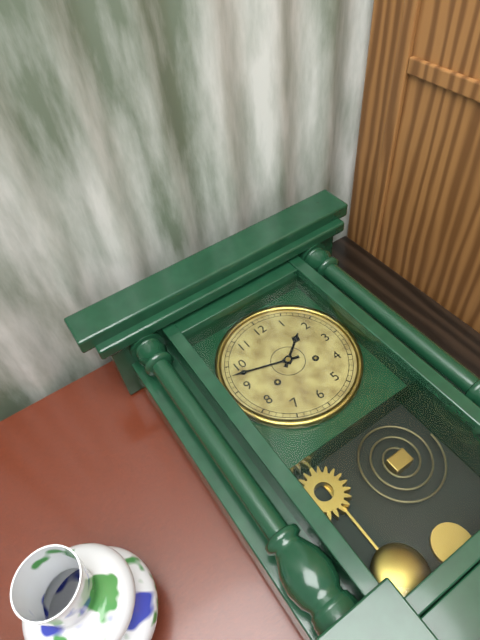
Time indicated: 1:48
